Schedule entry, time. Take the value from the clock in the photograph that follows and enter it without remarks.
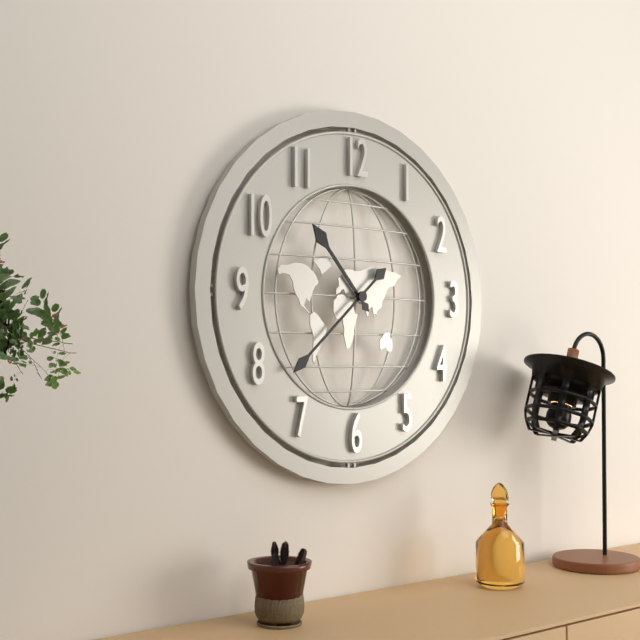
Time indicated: 10:38
